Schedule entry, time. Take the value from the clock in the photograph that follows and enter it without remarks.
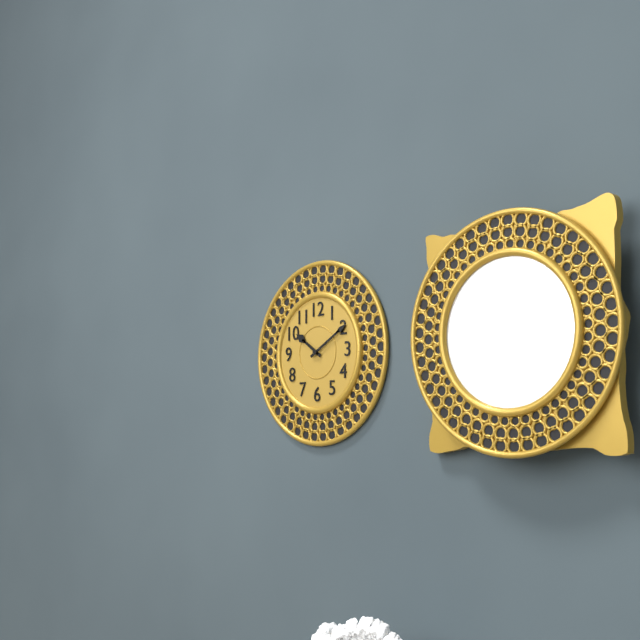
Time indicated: 10:10
